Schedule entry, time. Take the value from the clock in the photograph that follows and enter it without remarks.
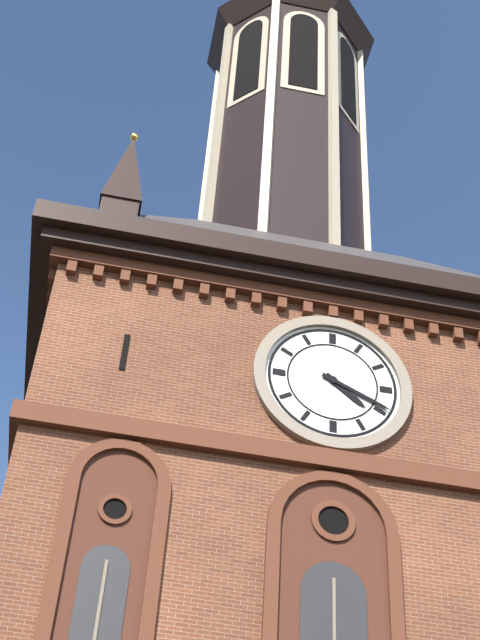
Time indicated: 4:19
